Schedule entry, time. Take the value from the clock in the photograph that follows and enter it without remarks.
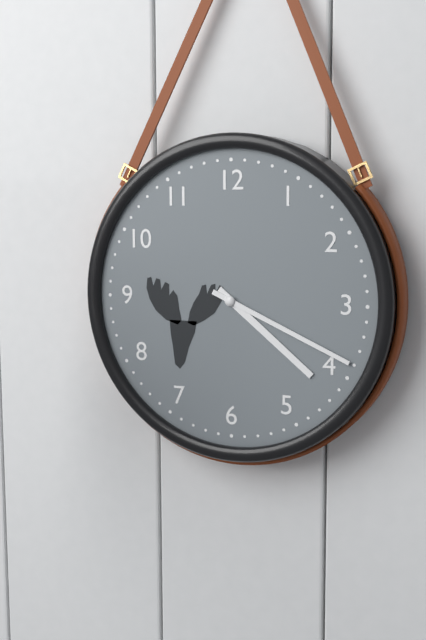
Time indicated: 4:19
